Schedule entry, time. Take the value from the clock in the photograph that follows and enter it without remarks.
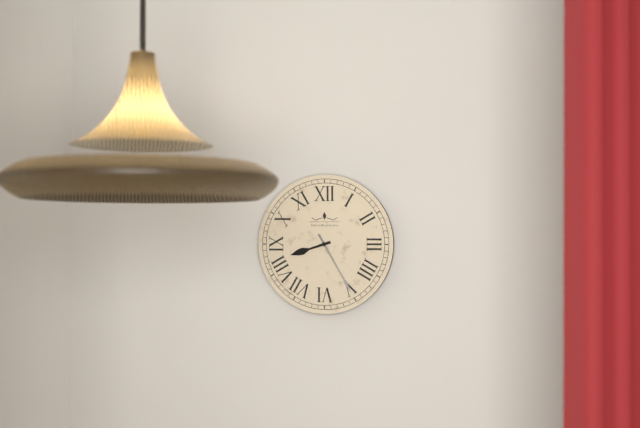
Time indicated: 8:25
